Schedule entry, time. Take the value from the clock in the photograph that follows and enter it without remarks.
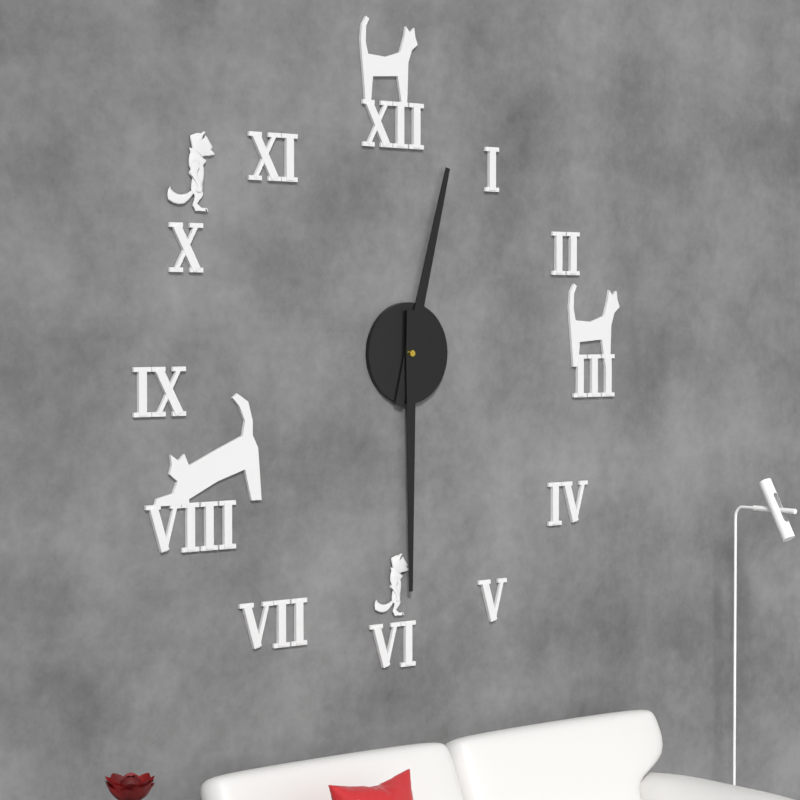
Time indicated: 12:30
